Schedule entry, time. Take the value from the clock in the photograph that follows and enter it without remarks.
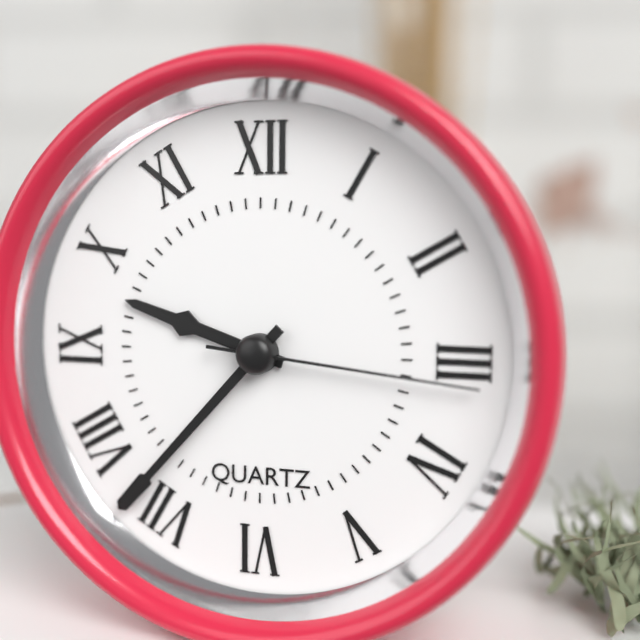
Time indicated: 9:37:16
